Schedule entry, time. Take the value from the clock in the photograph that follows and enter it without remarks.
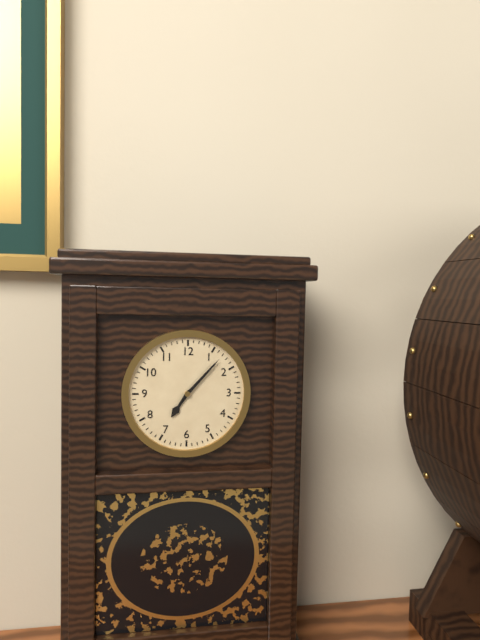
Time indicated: 7:07
